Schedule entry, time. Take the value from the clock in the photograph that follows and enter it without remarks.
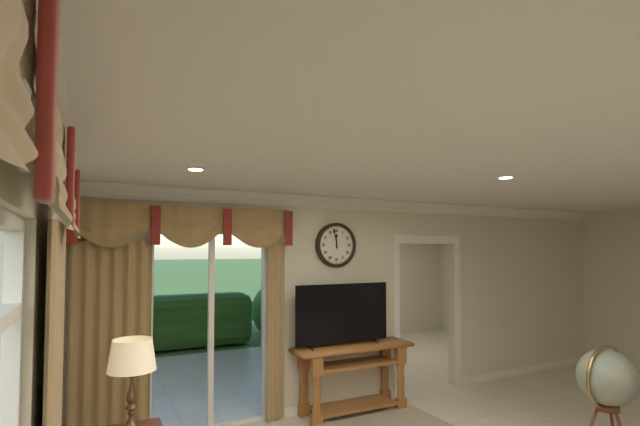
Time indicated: 11:58
